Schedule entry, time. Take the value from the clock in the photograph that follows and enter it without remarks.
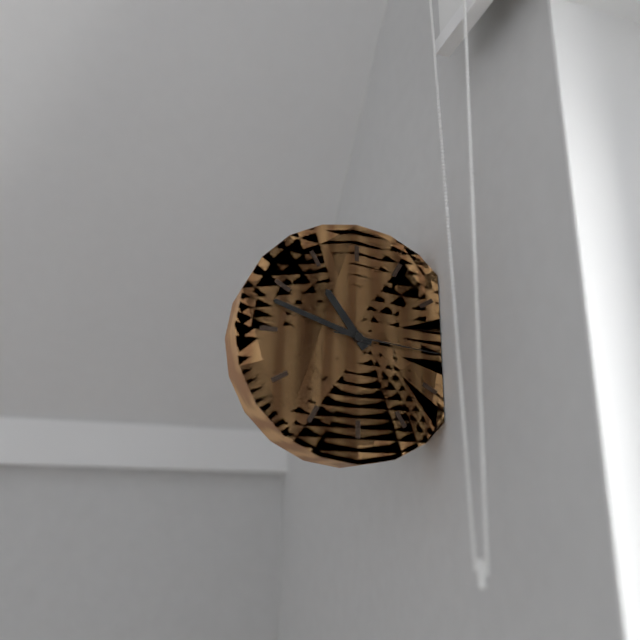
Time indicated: 10:48:16
